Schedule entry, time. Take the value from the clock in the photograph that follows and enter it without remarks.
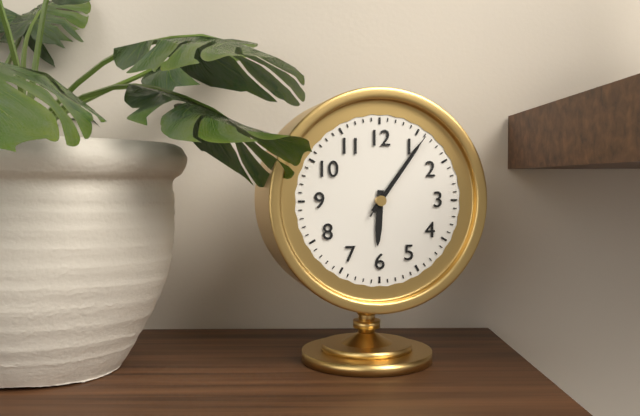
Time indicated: 6:06:06
